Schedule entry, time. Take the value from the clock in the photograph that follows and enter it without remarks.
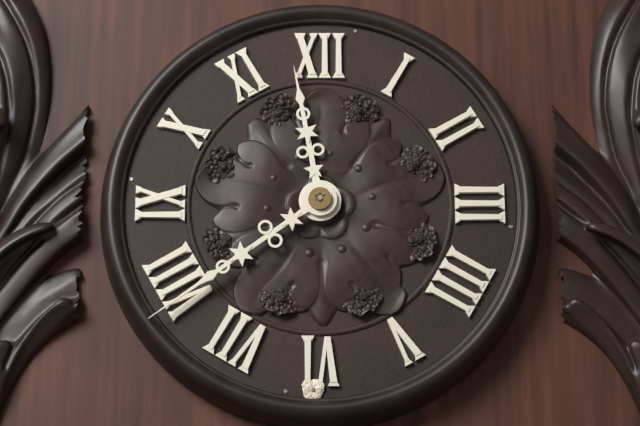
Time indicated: 11:39
